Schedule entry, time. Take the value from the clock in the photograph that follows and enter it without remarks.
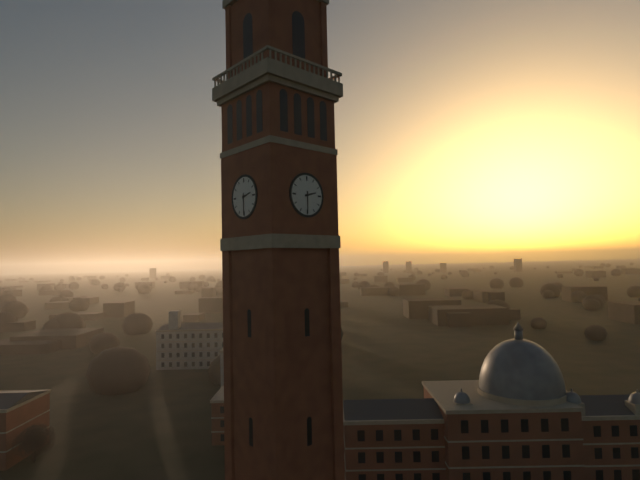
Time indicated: 2:30
